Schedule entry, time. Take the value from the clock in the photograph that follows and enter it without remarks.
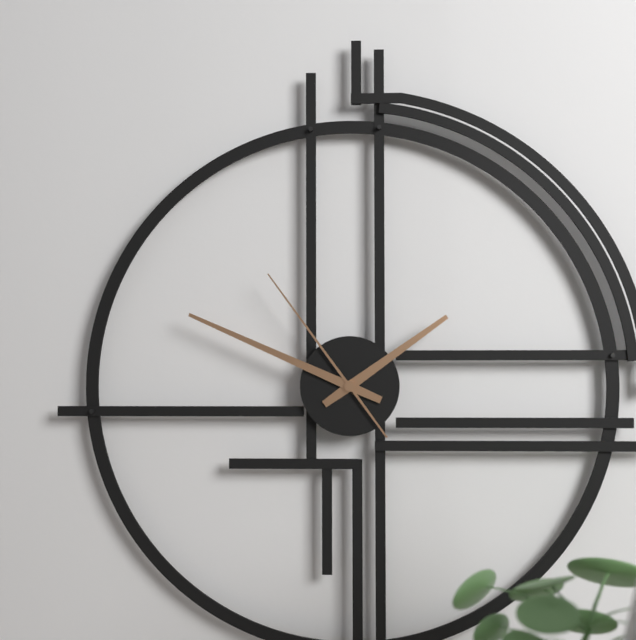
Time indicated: 1:49:54
